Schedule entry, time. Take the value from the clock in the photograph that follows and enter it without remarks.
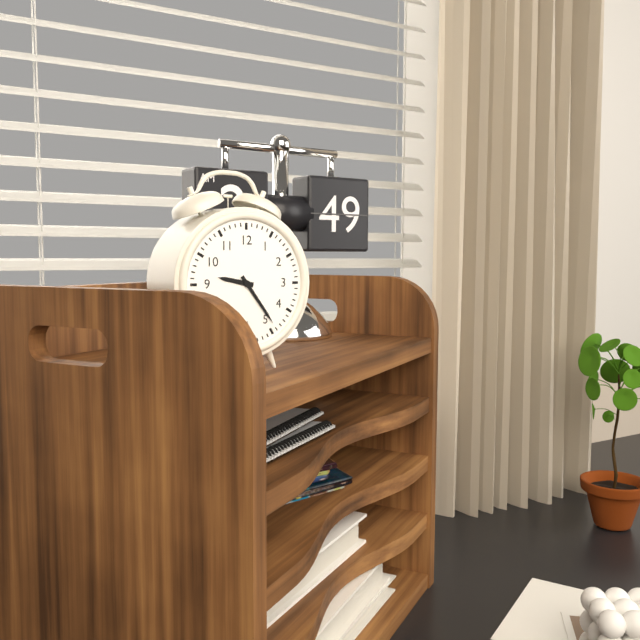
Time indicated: 9:24
